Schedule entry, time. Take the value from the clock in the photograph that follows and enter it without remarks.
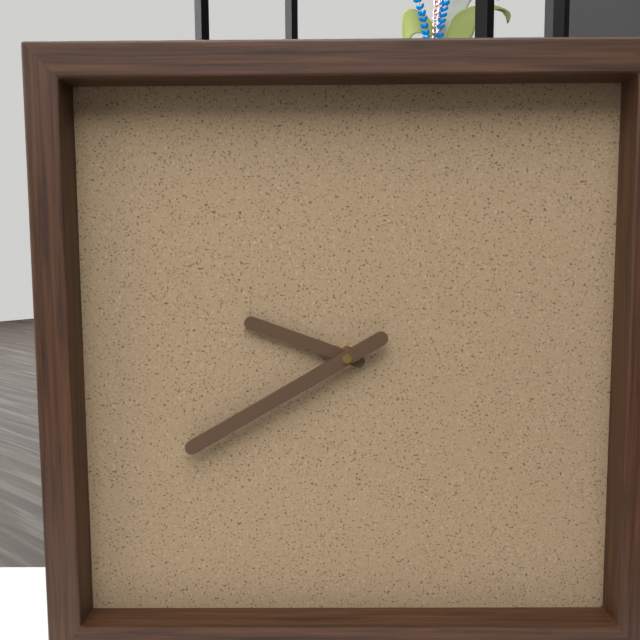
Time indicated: 9:40
